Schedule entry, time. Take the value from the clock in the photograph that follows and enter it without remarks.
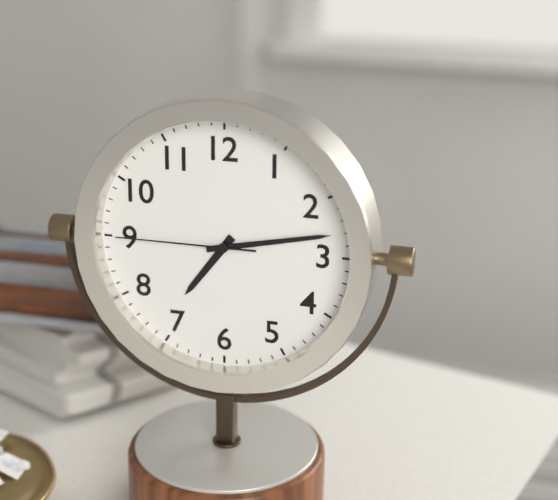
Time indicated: 7:13:45
